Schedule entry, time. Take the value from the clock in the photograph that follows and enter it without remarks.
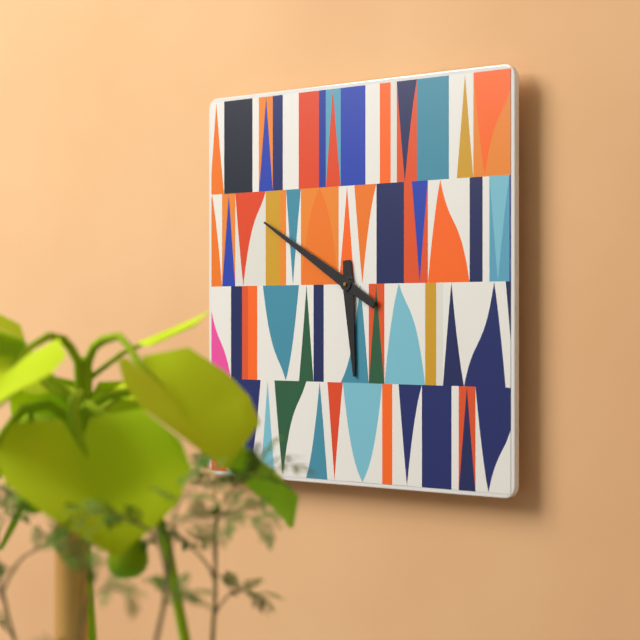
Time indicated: 5:50
